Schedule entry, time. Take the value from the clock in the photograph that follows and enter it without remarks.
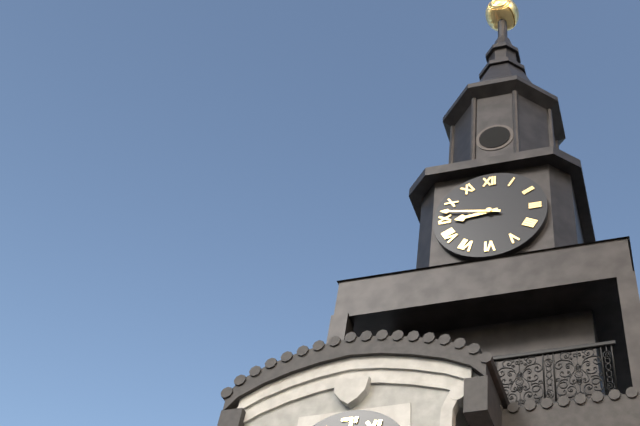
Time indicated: 8:47
